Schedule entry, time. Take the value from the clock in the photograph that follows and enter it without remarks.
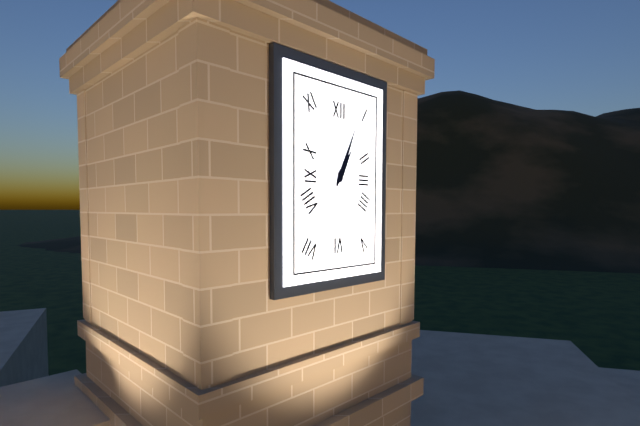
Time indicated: 1:04
